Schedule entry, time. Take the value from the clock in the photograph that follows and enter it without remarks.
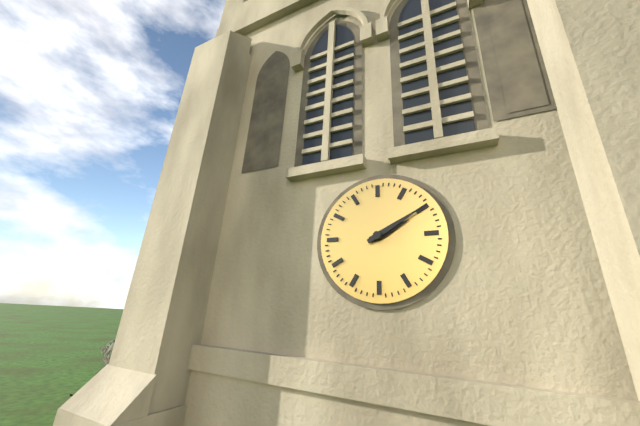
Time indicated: 2:10
